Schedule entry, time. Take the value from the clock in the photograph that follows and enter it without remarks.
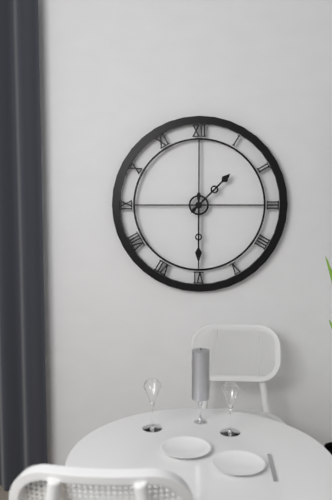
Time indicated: 1:30
